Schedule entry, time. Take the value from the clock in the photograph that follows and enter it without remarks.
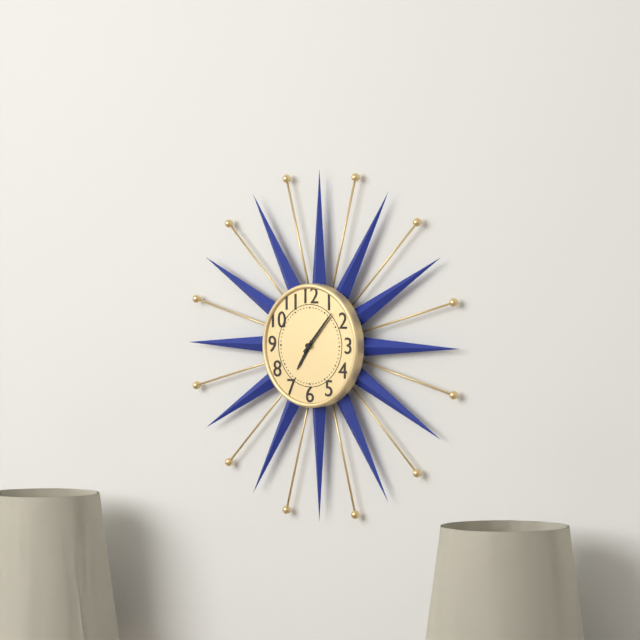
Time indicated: 7:07
